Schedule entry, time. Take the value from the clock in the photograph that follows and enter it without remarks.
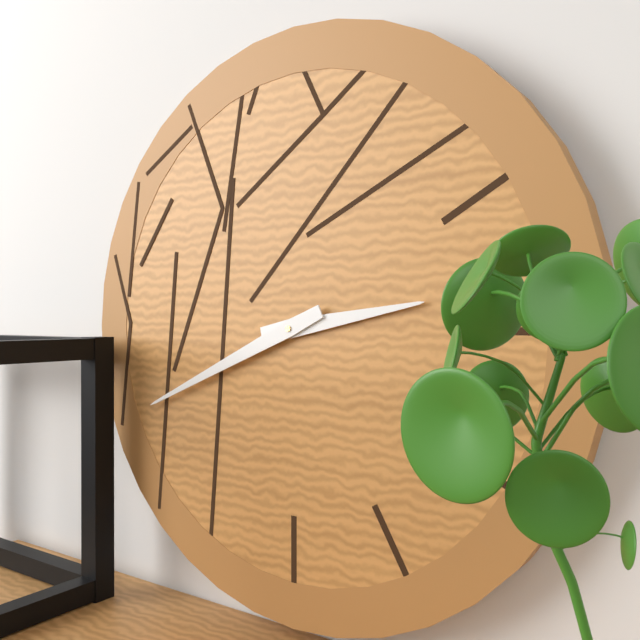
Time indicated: 2:41
